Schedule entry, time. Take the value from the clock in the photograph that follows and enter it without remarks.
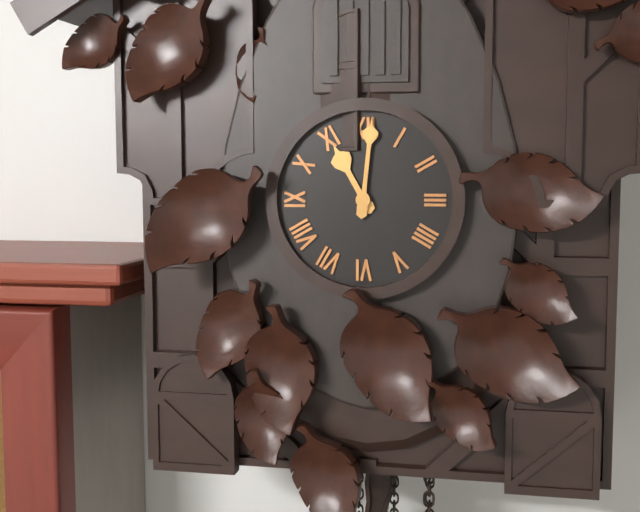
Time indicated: 11:01
